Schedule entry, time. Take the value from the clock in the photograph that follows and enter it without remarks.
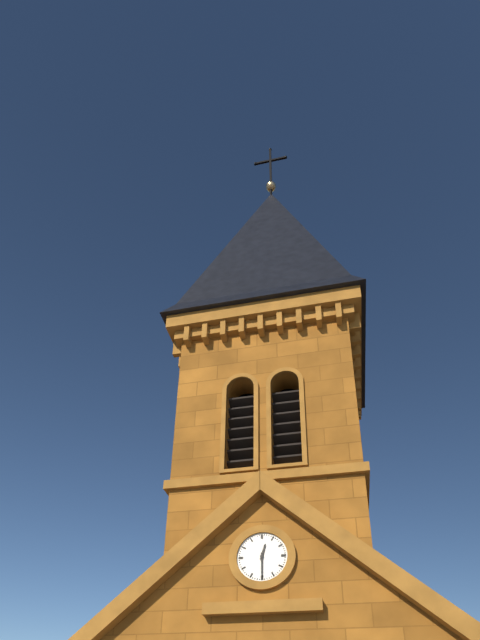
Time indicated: 12:30
